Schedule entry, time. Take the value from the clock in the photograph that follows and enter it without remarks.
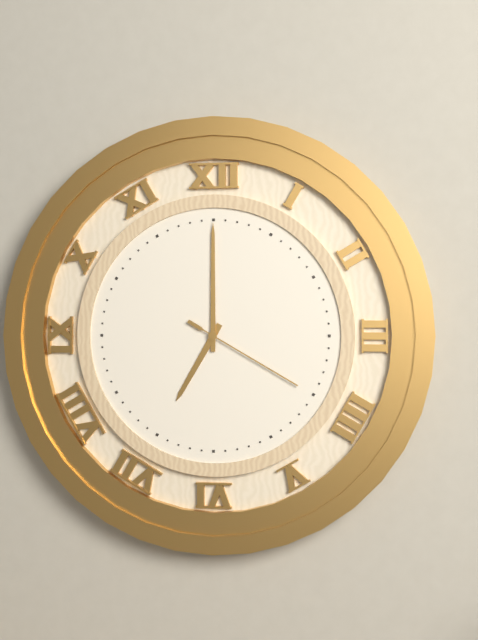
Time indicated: 7:00:20
